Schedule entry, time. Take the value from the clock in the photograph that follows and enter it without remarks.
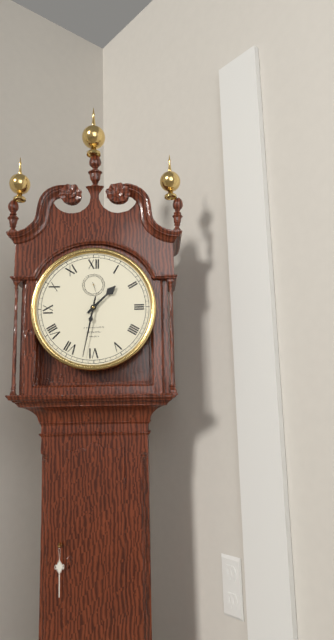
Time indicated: 1:32
